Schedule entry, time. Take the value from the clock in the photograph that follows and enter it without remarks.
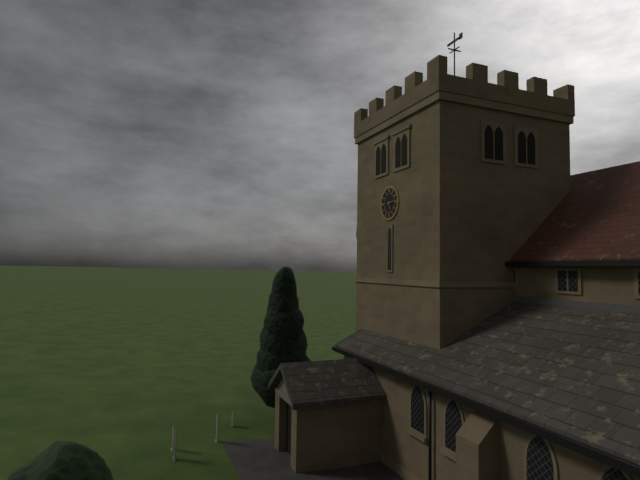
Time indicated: 5:14
